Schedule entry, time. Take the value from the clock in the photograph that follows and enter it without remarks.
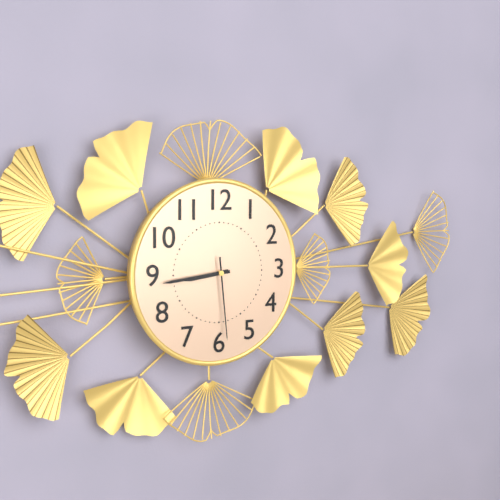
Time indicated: 8:44:29
